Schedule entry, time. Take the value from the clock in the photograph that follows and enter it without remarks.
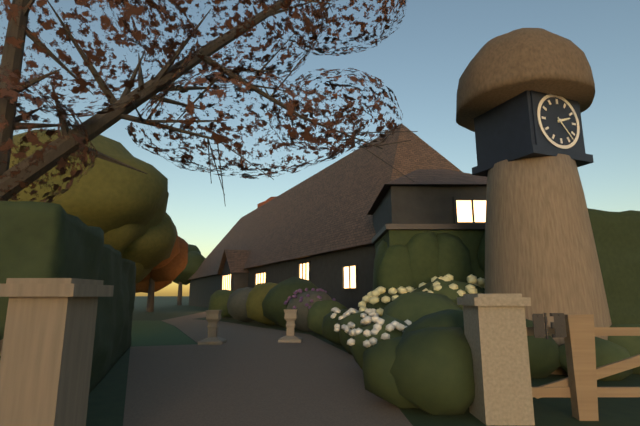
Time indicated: 2:23
